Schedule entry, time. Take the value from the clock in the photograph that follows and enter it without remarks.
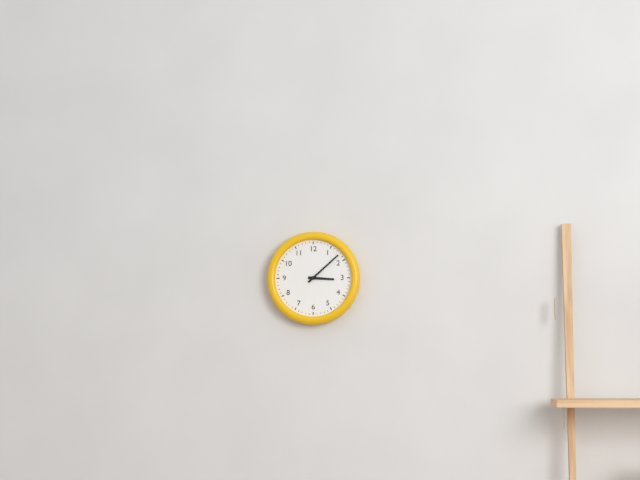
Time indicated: 3:08
